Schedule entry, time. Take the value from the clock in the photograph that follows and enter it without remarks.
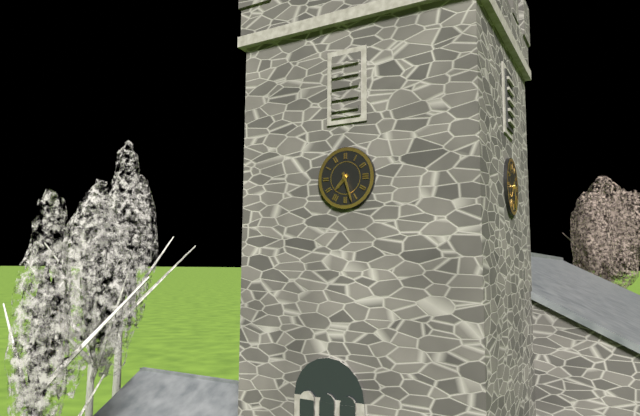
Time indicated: 7:27
